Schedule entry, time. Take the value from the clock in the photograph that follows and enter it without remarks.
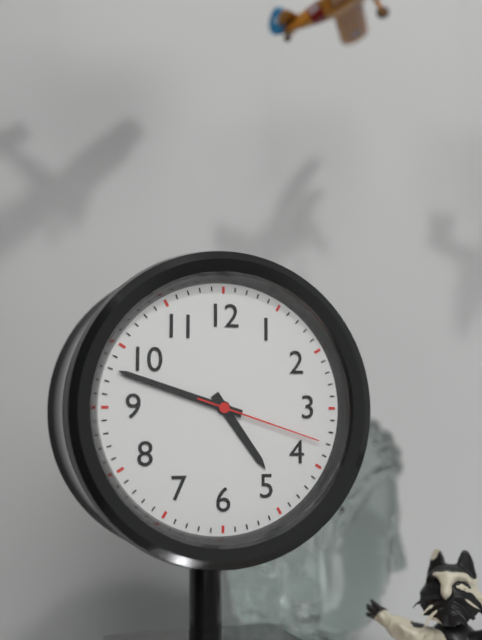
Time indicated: 4:48:18
